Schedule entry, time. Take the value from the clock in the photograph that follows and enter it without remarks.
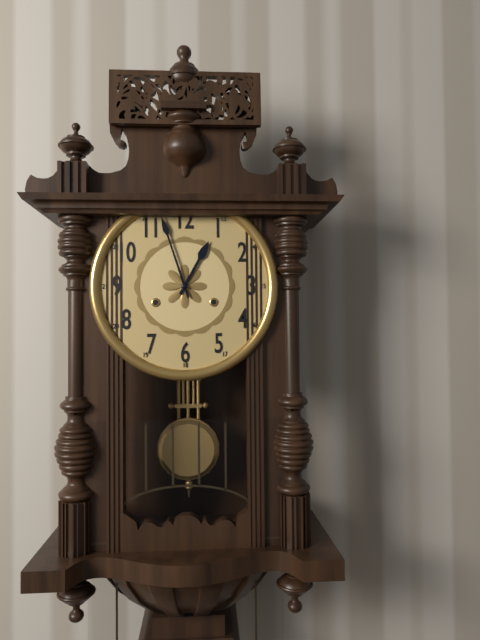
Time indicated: 12:57
